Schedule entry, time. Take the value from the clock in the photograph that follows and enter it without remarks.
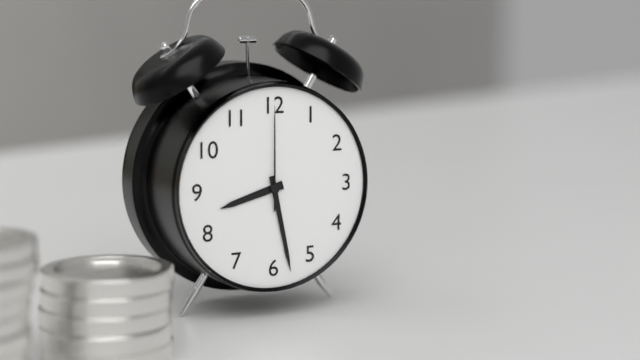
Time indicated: 8:28:00
